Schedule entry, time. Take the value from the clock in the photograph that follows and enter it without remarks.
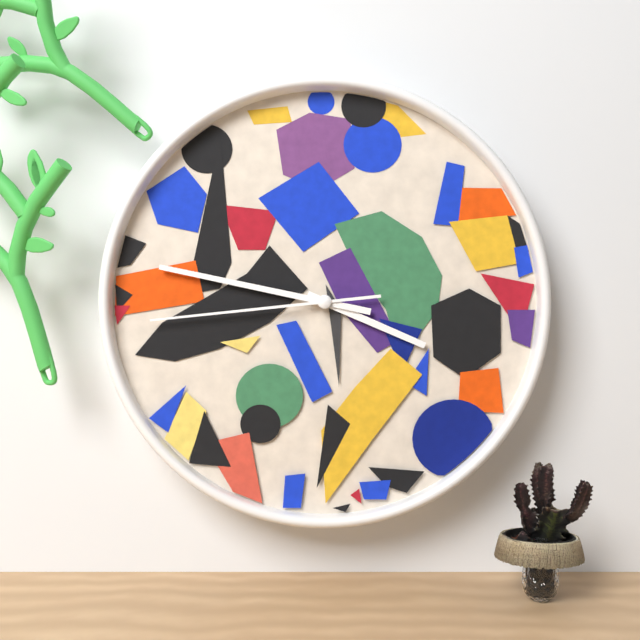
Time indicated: 3:47:44
